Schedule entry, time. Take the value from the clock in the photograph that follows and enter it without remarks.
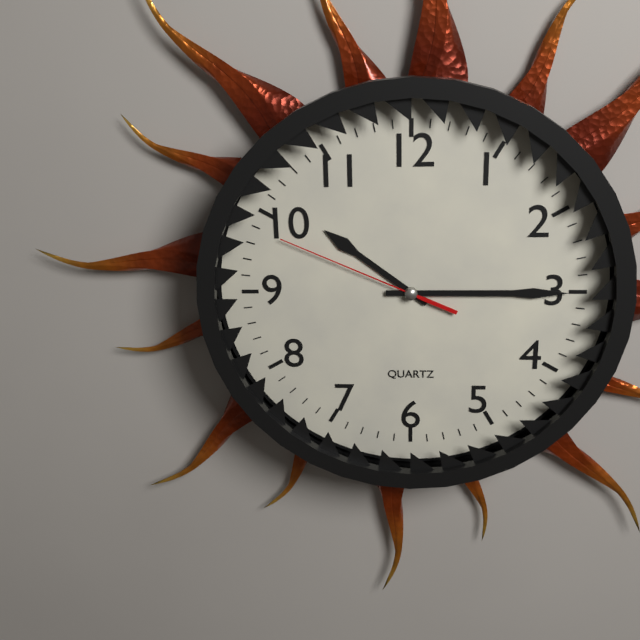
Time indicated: 10:15:49
